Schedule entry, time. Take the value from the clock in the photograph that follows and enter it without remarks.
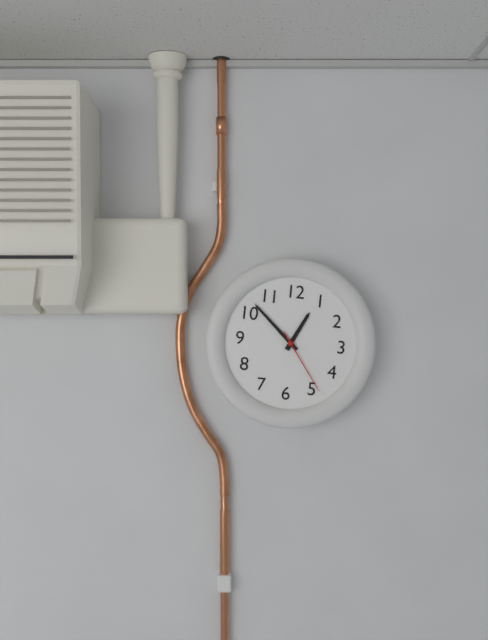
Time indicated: 12:52:24
